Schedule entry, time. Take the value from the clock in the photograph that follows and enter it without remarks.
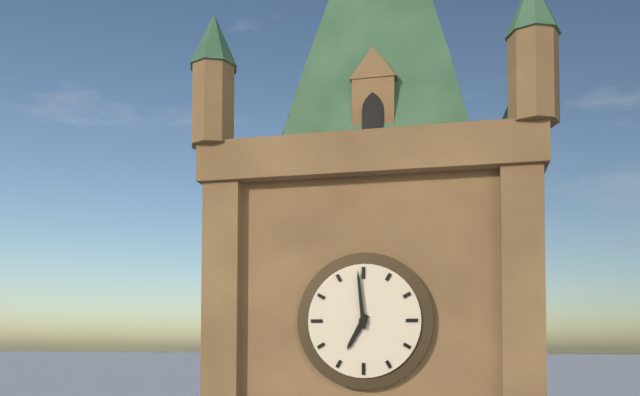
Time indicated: 6:59
